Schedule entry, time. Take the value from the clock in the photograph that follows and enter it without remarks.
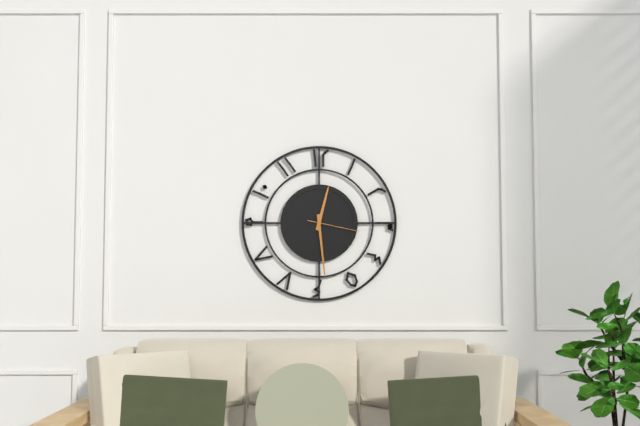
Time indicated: 12:29:17
